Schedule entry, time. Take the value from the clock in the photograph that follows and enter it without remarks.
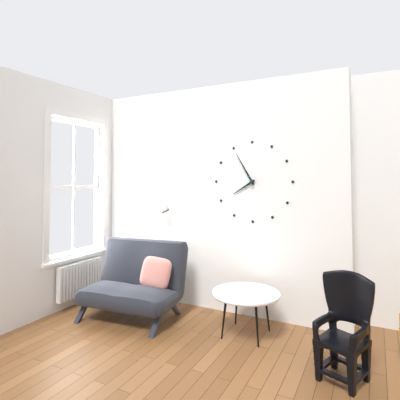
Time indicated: 7:55
